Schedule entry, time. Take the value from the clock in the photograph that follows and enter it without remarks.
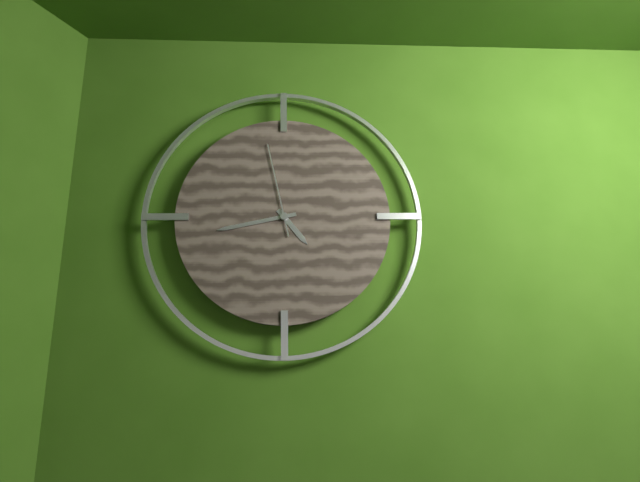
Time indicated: 4:43:58
